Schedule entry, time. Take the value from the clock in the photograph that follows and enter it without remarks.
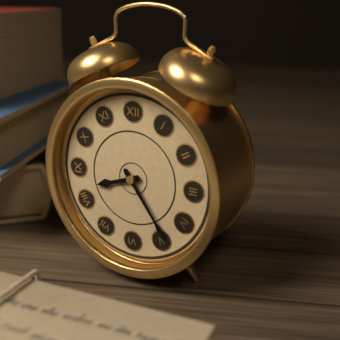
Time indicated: 8:24
